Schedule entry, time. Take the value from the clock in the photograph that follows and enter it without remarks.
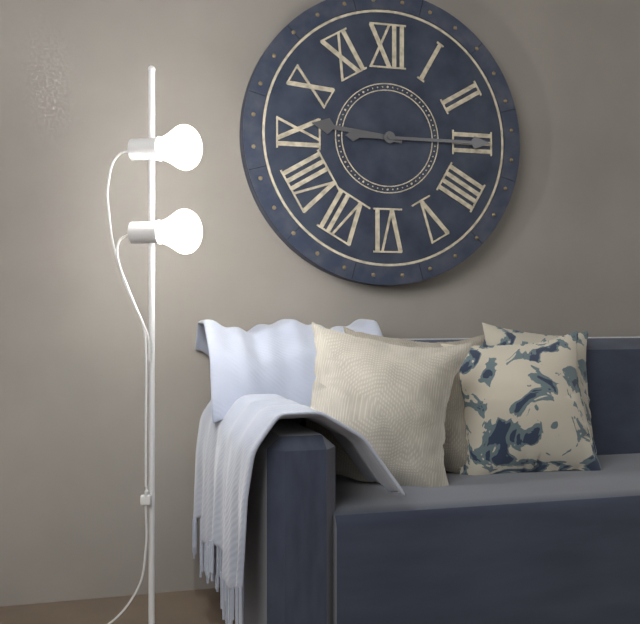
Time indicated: 9:15
